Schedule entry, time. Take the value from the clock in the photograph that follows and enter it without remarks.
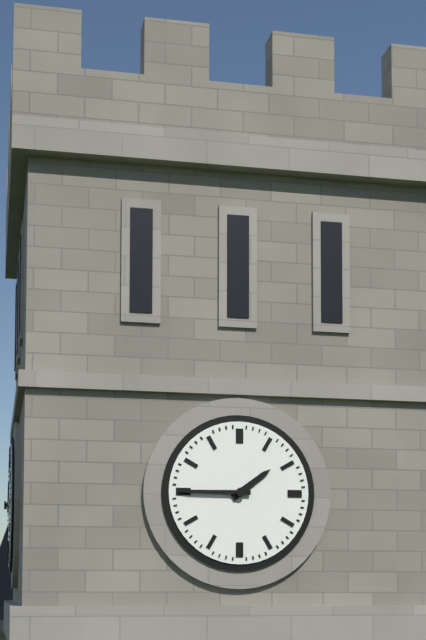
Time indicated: 1:45
